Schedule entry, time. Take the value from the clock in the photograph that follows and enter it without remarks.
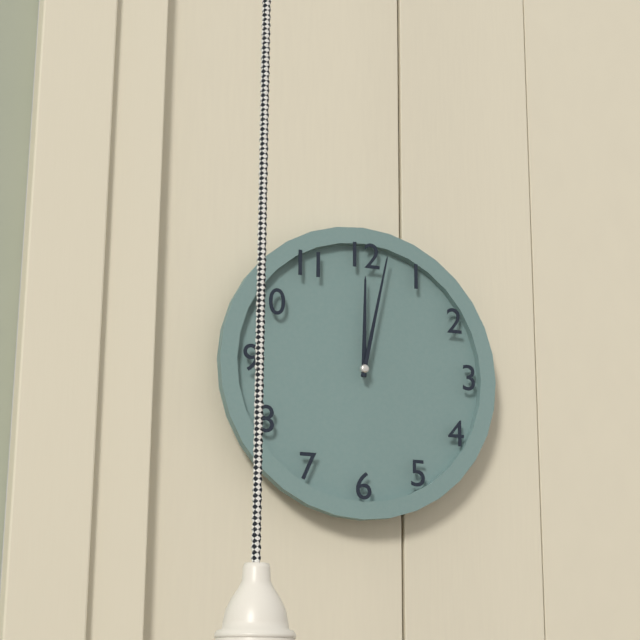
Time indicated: 12:02
